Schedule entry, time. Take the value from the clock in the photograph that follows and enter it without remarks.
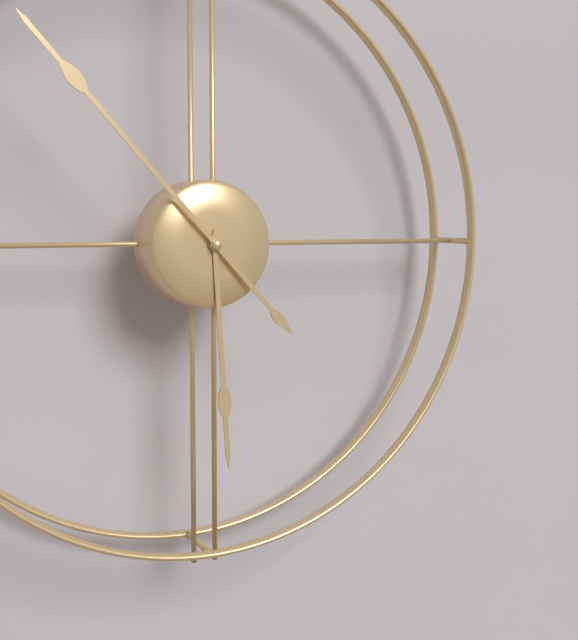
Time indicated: 5:53
